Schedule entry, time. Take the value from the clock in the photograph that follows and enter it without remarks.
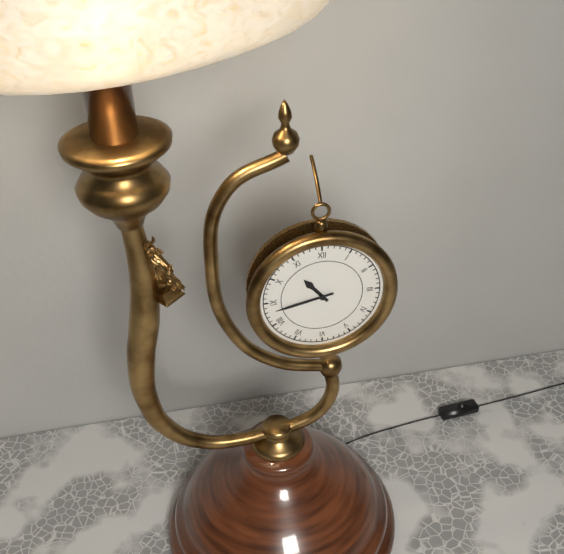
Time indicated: 10:43
